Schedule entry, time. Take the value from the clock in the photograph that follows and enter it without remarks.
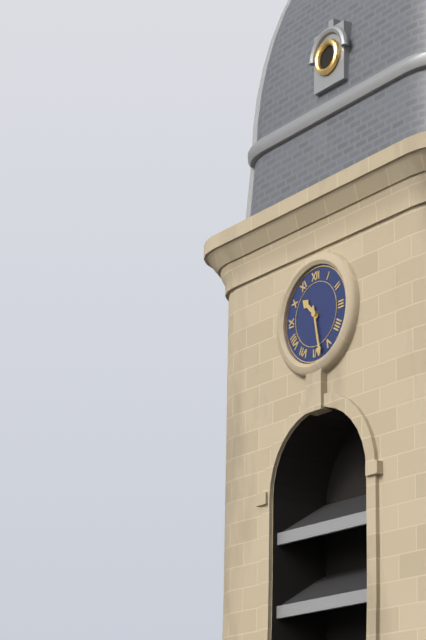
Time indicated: 10:28
